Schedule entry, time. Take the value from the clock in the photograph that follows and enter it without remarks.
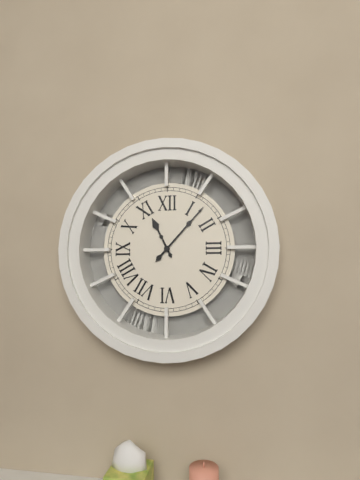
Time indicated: 11:07
